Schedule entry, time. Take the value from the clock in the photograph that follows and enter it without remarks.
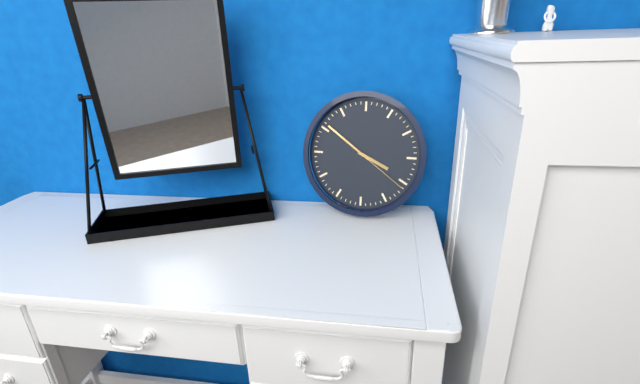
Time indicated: 3:51:21
